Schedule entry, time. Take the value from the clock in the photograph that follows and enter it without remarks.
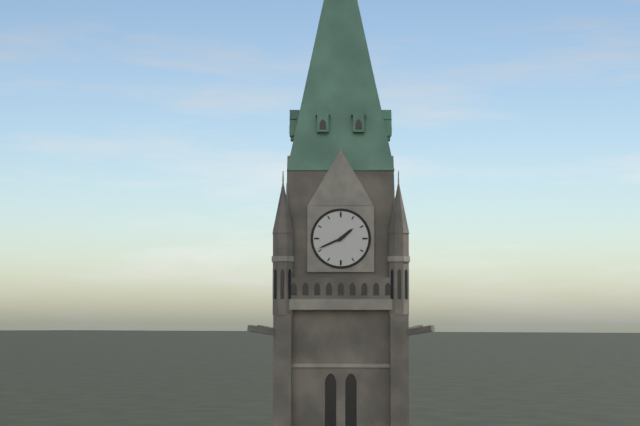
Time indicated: 1:41
